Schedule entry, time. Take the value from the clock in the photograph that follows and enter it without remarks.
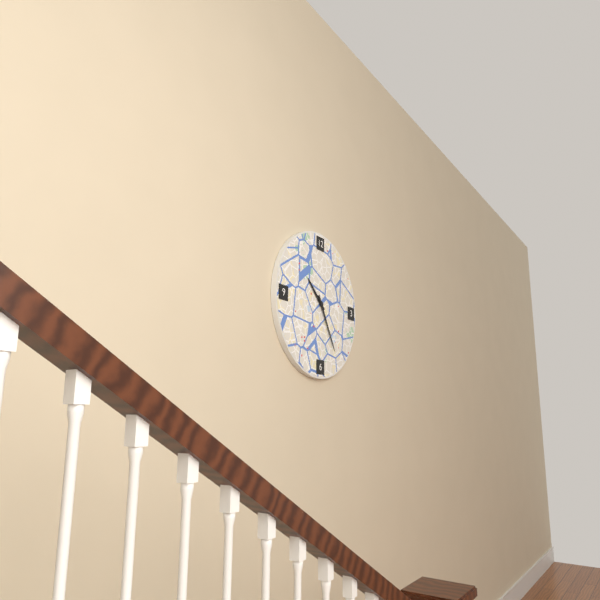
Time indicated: 10:25
